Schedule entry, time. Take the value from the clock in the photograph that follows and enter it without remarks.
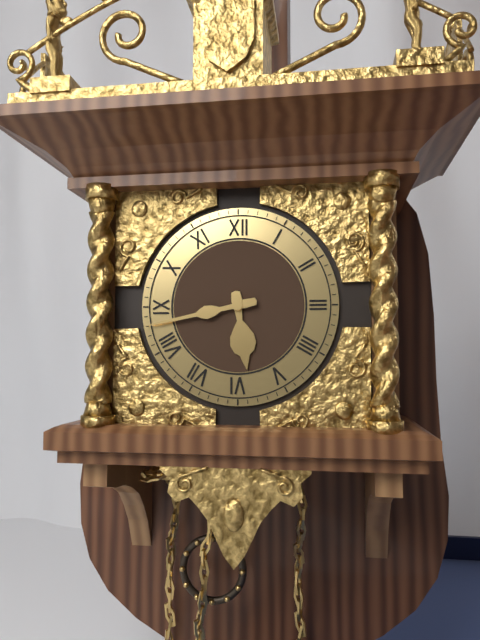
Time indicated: 5:43
